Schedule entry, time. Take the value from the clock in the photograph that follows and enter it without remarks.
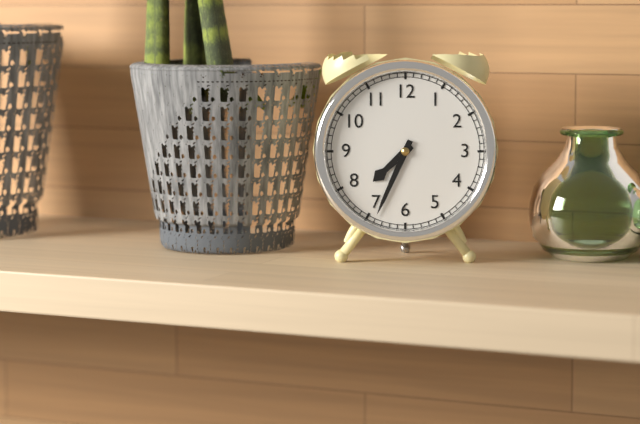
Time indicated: 7:34
